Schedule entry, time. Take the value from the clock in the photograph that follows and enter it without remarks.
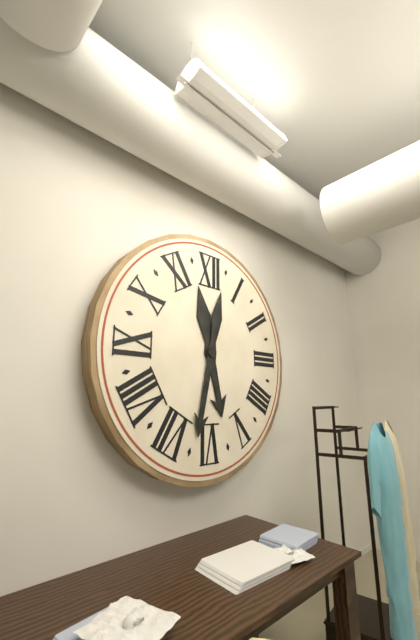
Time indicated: 5:32
